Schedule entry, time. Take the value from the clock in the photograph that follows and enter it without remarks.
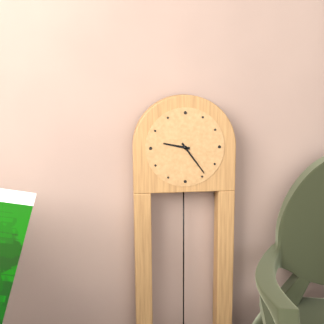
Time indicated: 9:24
